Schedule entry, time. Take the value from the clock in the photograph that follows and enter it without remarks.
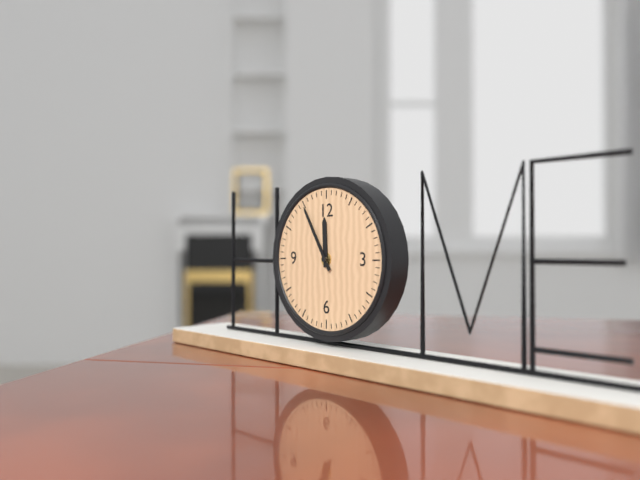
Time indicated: 11:55
